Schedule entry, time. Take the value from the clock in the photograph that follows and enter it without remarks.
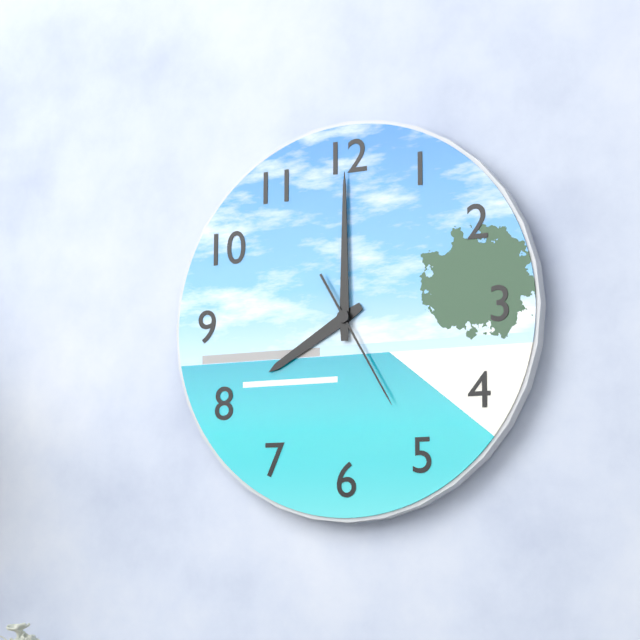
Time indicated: 8:00:25
